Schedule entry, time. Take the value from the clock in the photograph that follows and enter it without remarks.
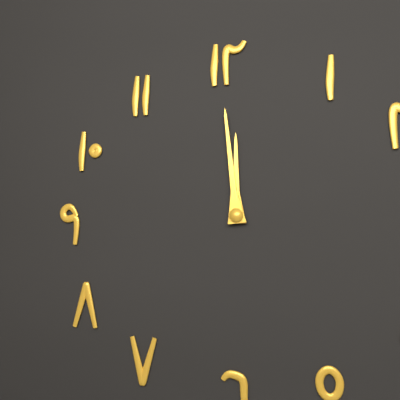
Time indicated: 11:59
